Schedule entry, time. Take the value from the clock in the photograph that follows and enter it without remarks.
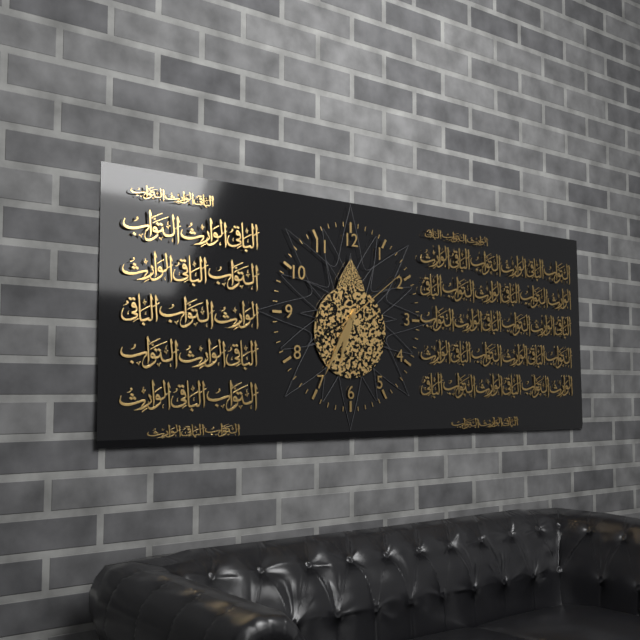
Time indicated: 6:35:09
